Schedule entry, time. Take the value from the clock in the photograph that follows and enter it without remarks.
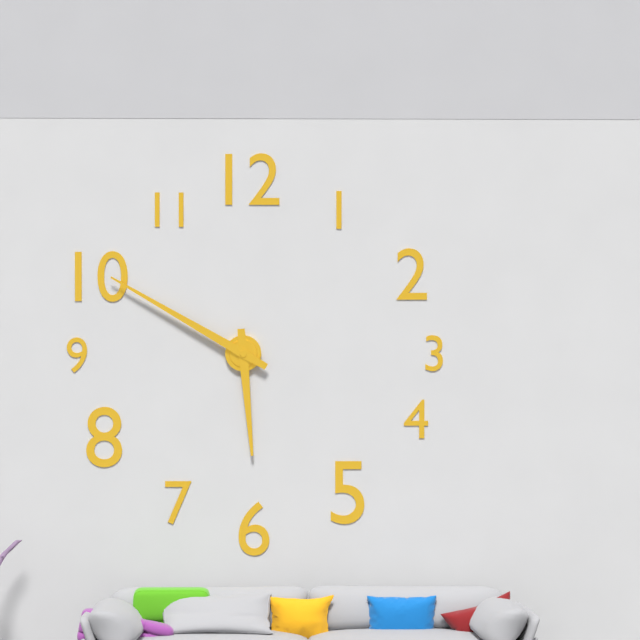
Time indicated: 5:50
